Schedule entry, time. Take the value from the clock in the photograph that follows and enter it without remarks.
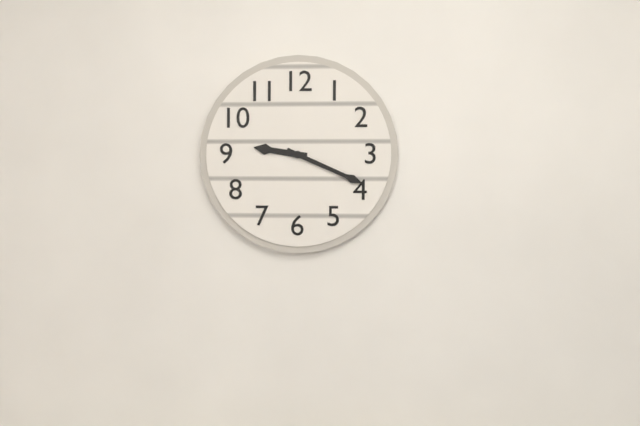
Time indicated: 9:19
